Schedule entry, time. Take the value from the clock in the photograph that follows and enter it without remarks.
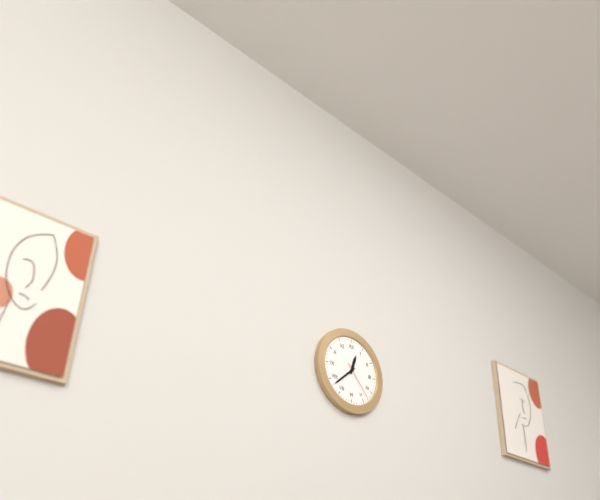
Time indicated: 12:38
